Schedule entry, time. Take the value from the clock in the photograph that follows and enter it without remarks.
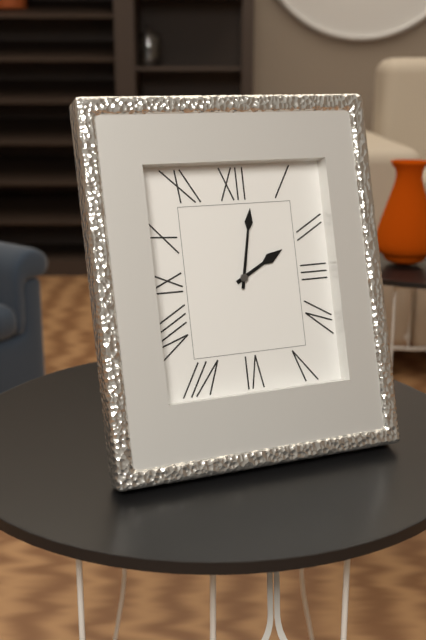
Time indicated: 2:02
